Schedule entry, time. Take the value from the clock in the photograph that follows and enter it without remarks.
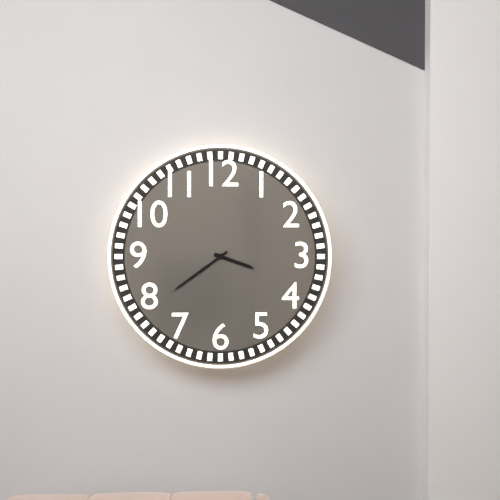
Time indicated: 3:39
